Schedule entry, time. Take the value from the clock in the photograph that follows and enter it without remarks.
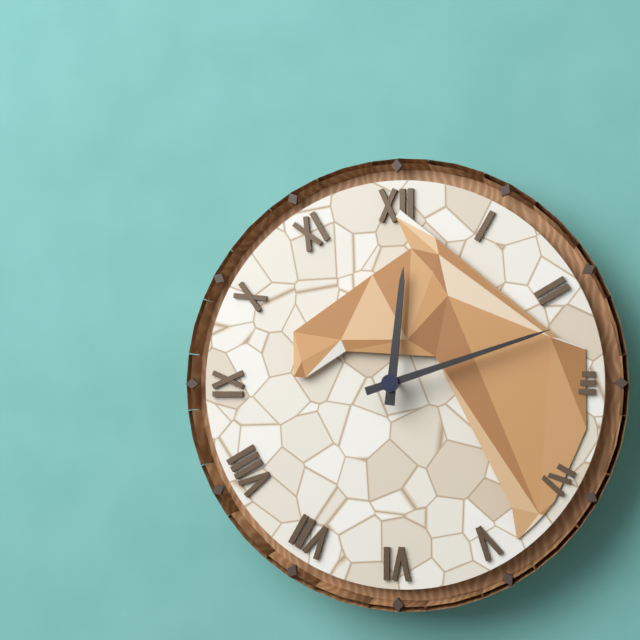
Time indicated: 12:12
